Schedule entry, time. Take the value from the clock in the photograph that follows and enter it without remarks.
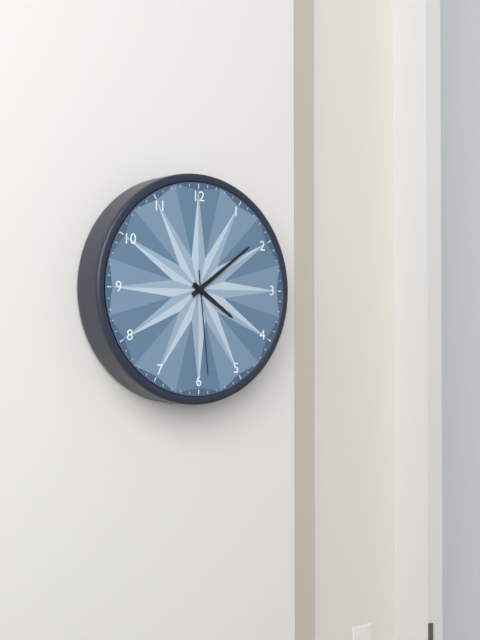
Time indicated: 4:09:29
